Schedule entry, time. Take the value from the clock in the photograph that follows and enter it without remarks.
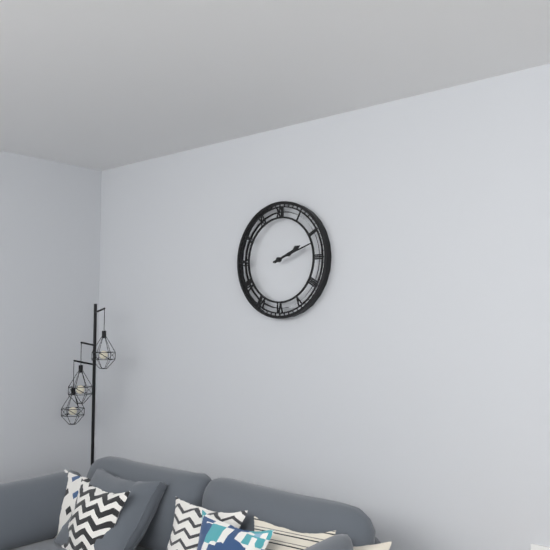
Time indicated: 2:12
